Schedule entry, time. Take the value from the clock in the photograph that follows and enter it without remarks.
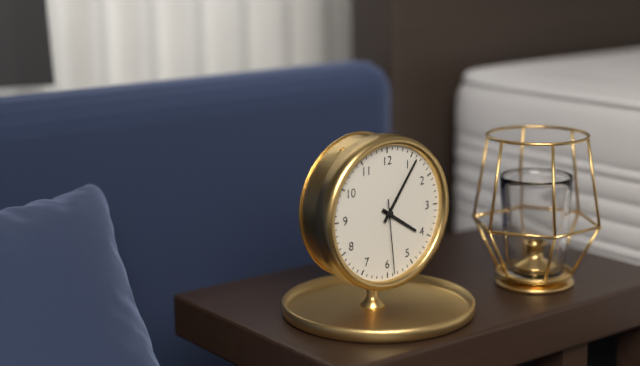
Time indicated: 4:06:29
